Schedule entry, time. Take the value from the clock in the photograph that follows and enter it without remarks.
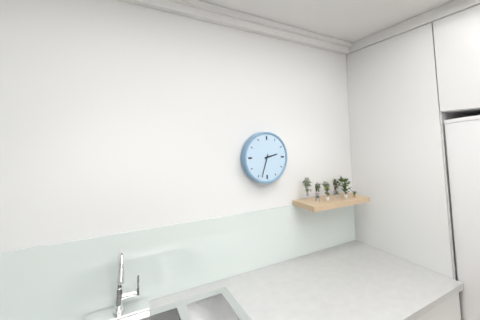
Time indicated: 2:33
